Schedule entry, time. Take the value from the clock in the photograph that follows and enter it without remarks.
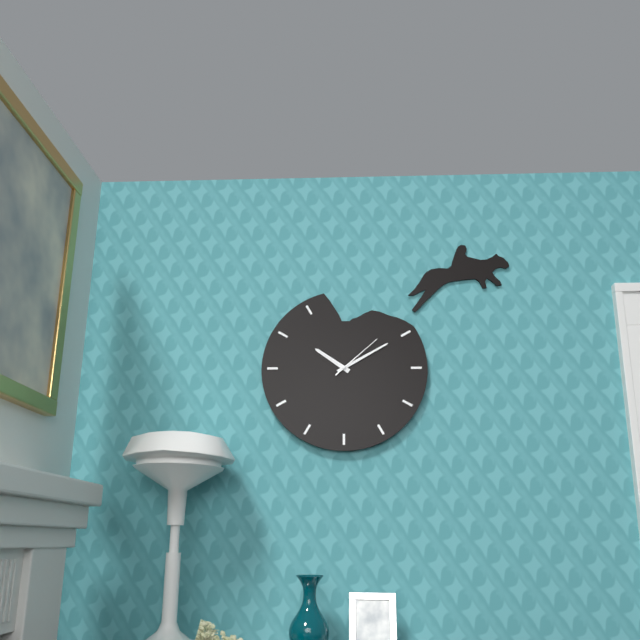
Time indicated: 10:10:08
